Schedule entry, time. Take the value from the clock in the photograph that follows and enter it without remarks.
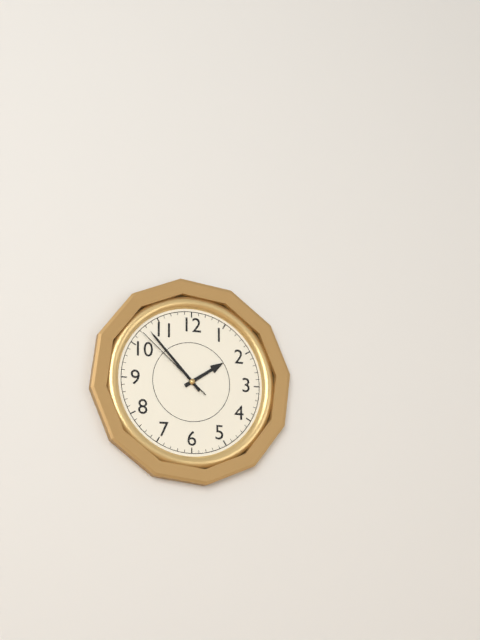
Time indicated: 1:53:52
